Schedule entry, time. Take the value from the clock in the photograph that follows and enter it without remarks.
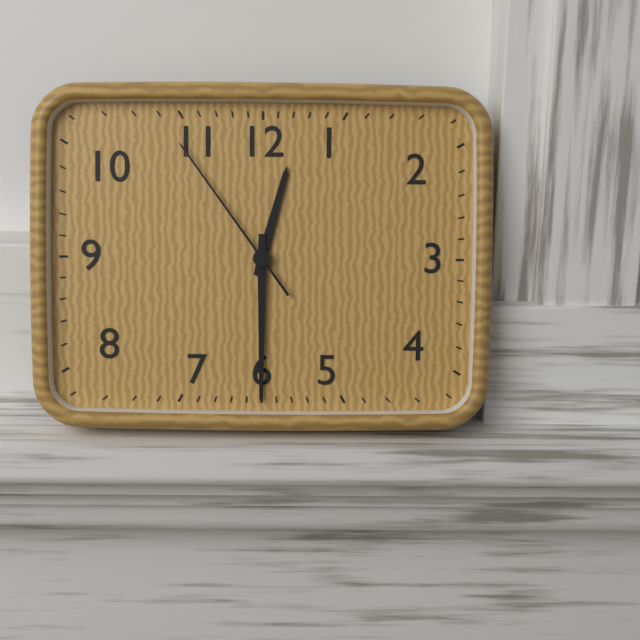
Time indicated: 12:30:54
